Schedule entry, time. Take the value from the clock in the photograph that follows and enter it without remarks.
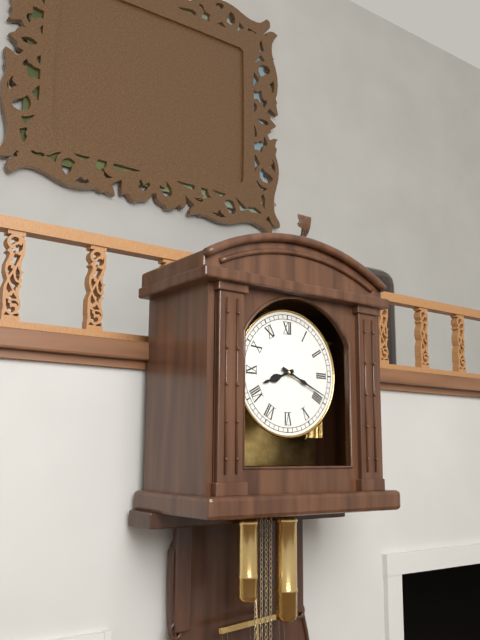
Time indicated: 8:19
